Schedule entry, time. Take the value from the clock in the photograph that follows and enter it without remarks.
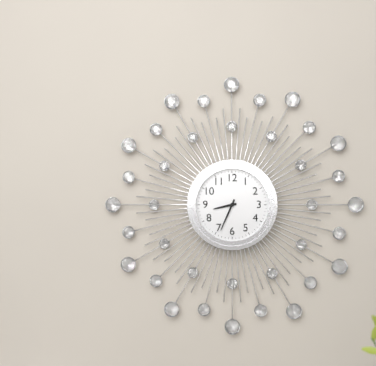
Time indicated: 8:34
